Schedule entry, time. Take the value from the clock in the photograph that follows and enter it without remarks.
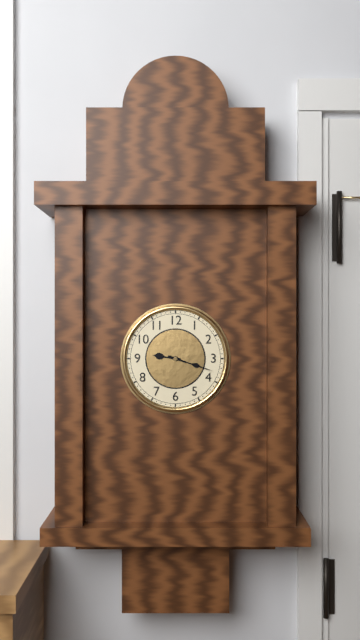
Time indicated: 9:18
